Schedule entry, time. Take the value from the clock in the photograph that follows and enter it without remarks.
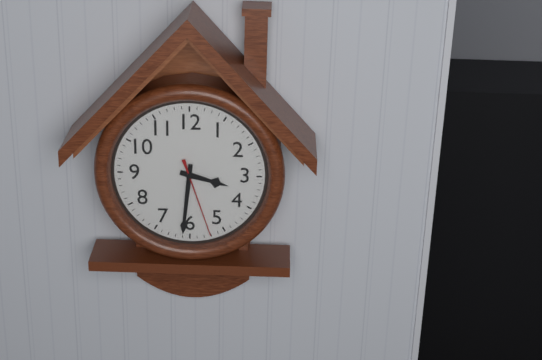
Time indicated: 3:31:27
